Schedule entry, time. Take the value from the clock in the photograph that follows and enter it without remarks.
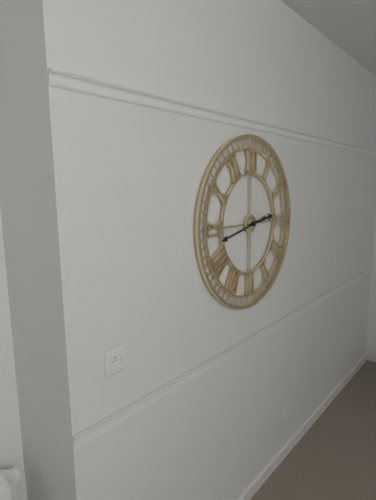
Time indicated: 2:43
